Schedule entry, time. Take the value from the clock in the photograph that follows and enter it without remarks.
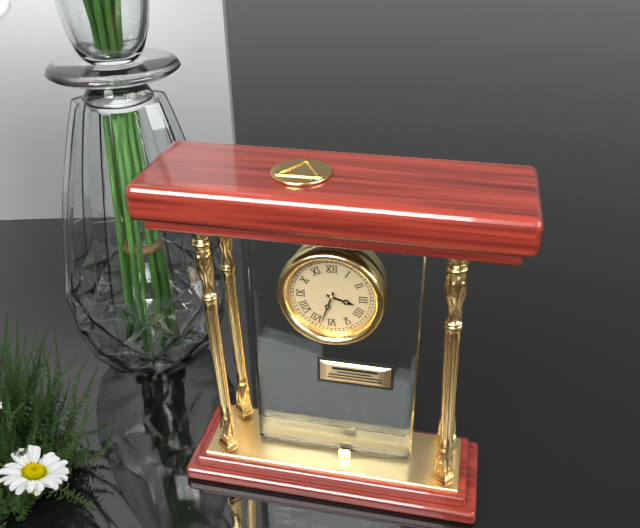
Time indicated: 3:33
